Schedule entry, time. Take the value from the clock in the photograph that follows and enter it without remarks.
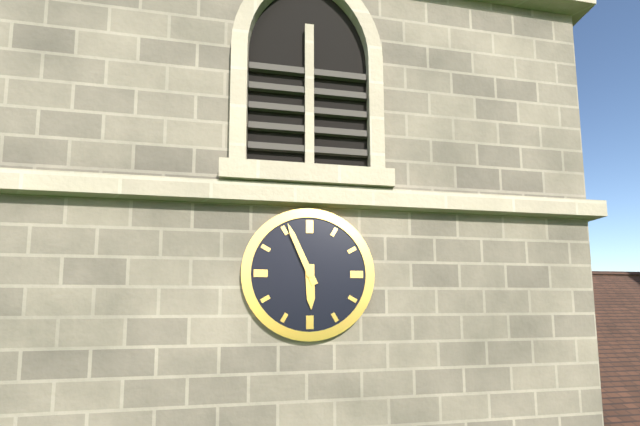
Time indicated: 5:56
